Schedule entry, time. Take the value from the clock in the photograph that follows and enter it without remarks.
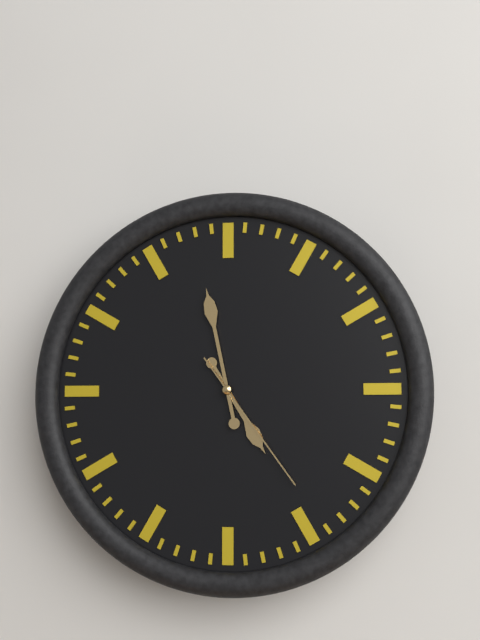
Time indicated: 4:58:24
